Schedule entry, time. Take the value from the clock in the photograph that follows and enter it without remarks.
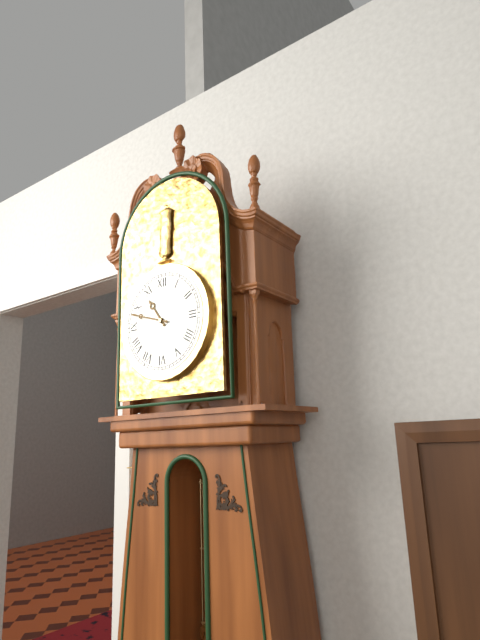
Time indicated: 10:48
